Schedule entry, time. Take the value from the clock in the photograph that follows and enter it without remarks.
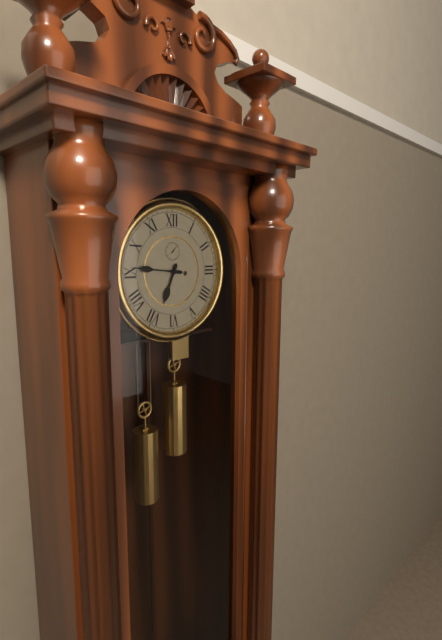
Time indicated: 6:46
